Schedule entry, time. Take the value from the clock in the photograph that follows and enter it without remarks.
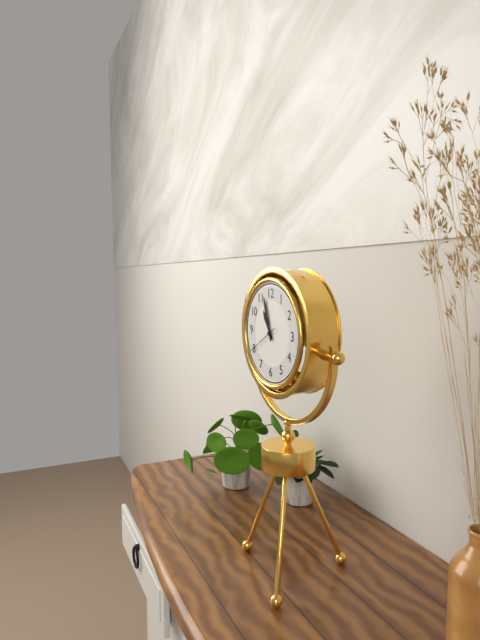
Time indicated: 10:57
